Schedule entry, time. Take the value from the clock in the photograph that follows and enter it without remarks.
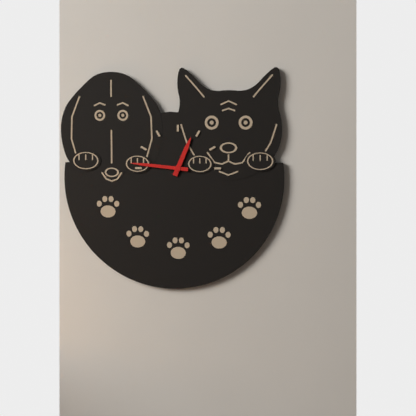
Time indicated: 12:46
